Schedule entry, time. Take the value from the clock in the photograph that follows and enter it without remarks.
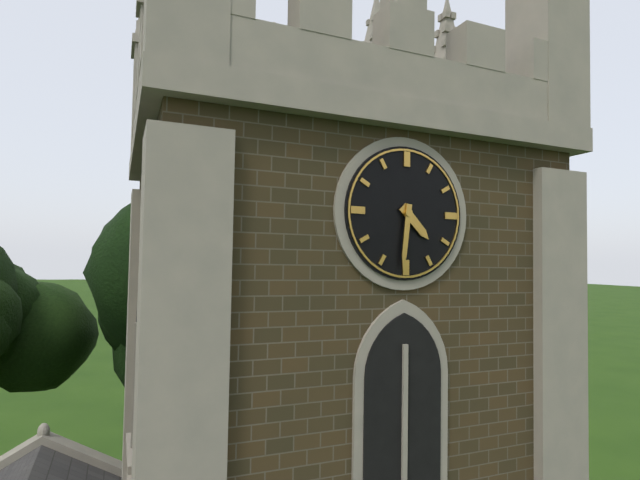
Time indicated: 4:31
